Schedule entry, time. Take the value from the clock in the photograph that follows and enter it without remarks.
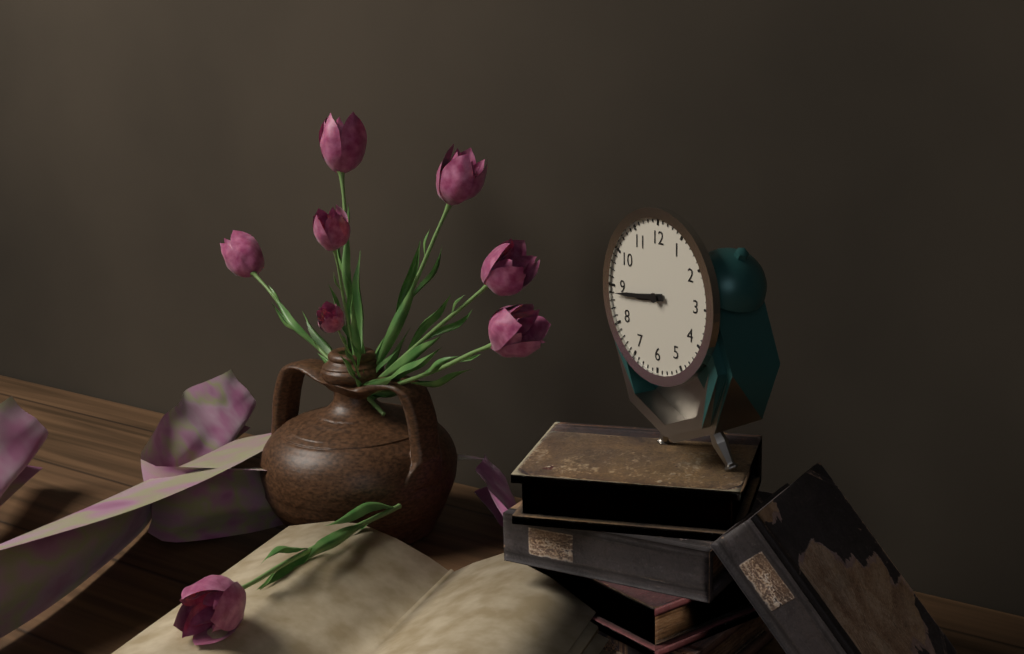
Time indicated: 8:44
